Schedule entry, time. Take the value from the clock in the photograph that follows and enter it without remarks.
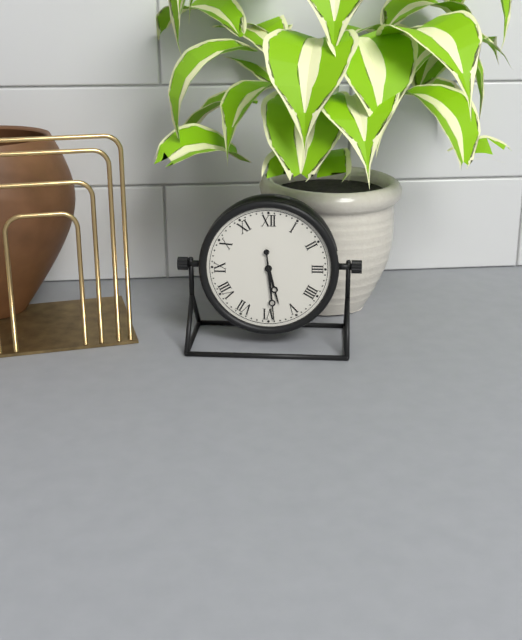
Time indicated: 5:29
